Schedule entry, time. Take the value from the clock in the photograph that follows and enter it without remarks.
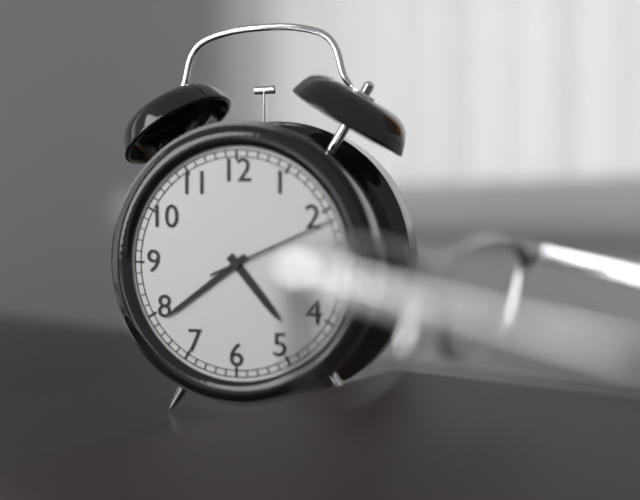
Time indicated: 4:39:11
